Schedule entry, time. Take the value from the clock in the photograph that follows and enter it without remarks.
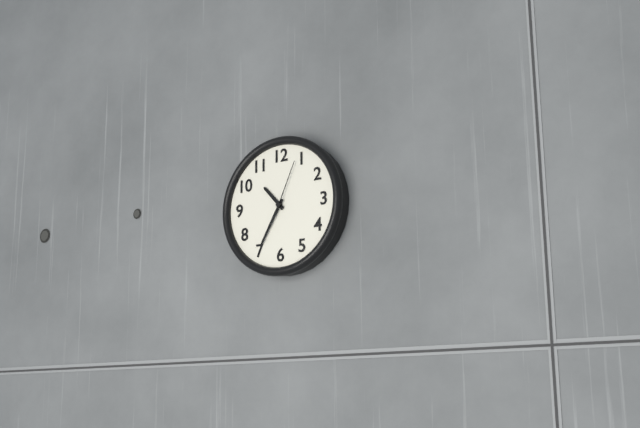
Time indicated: 10:35:04
